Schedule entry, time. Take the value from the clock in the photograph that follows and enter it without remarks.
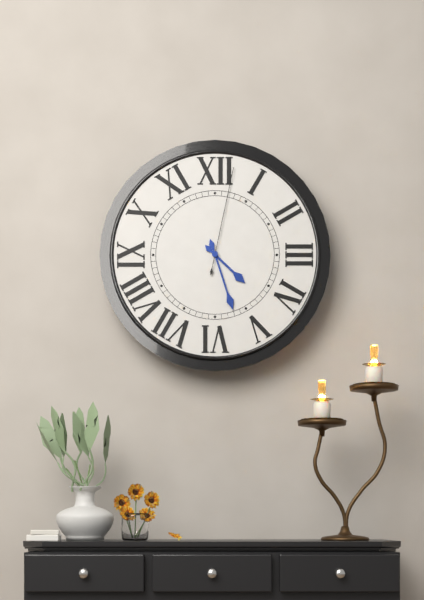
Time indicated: 4:27:02
